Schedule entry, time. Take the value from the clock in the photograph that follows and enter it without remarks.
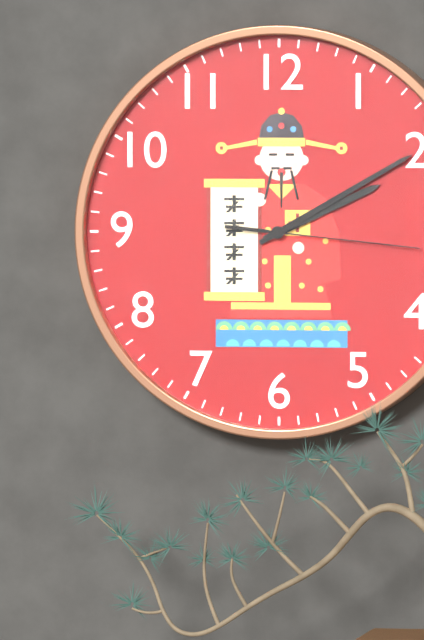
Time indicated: 2:10:16
